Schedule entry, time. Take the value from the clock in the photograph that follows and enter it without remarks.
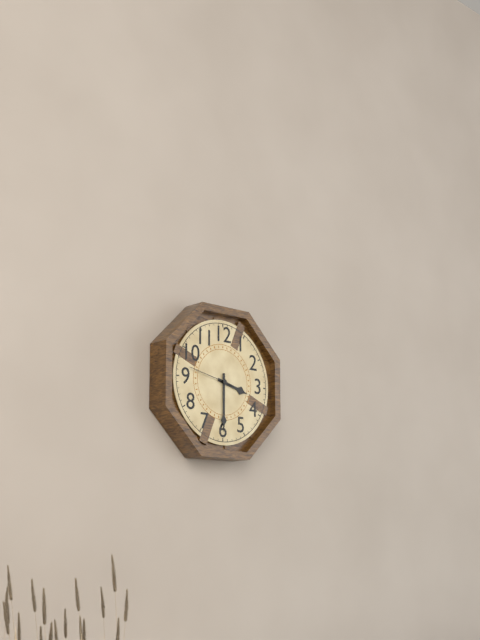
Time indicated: 3:30
